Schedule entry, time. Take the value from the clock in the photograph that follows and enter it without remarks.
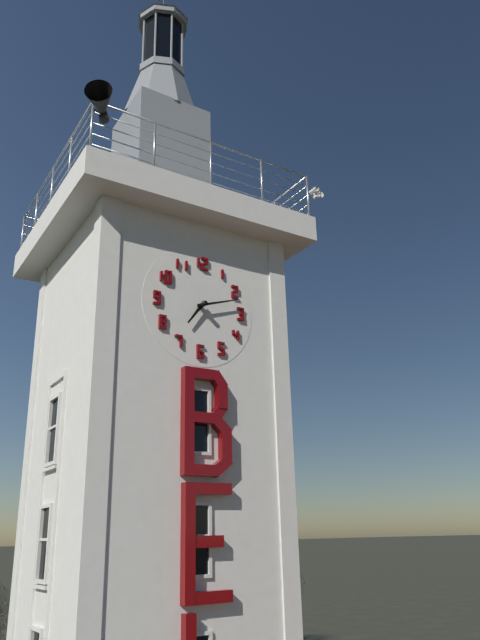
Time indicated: 7:12
